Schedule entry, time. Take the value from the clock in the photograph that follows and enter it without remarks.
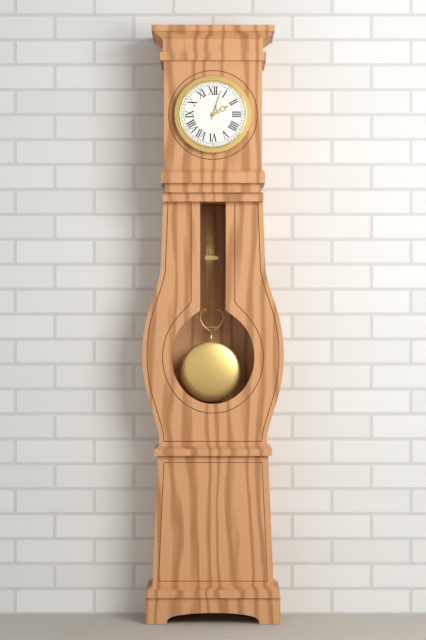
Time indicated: 2:03
